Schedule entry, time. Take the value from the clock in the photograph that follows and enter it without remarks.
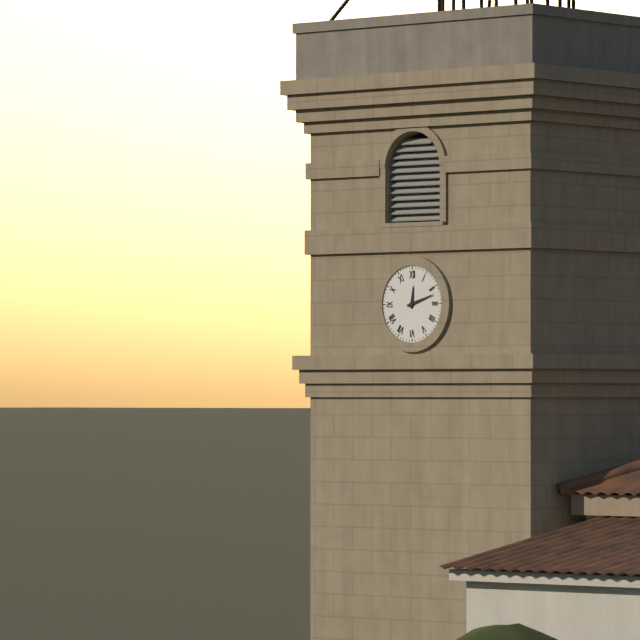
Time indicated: 12:12
